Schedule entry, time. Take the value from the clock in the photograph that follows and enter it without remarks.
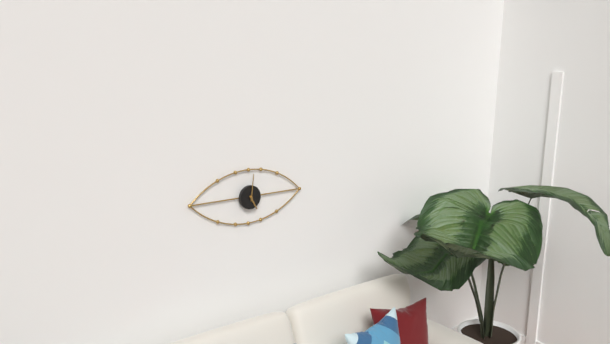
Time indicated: 5:01
